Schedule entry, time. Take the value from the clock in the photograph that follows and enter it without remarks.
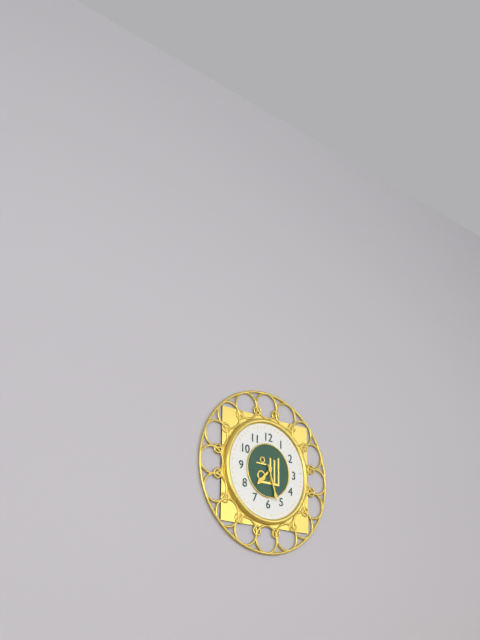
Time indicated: 7:27
